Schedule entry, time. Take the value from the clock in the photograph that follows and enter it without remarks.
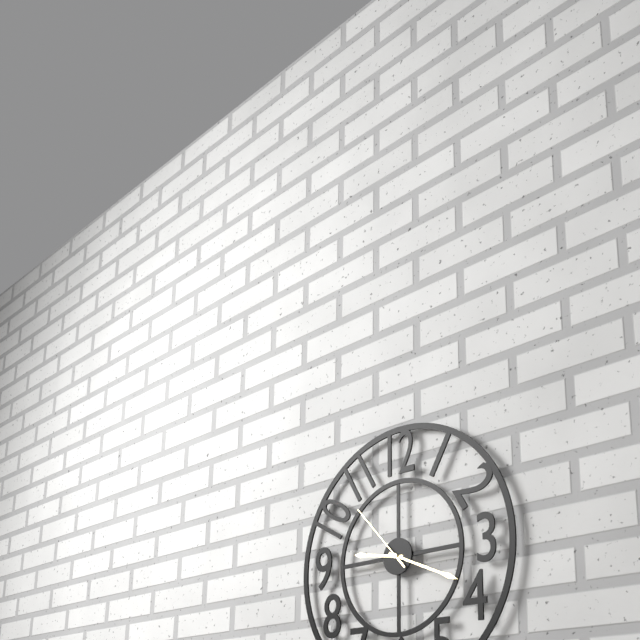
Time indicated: 9:19:53
